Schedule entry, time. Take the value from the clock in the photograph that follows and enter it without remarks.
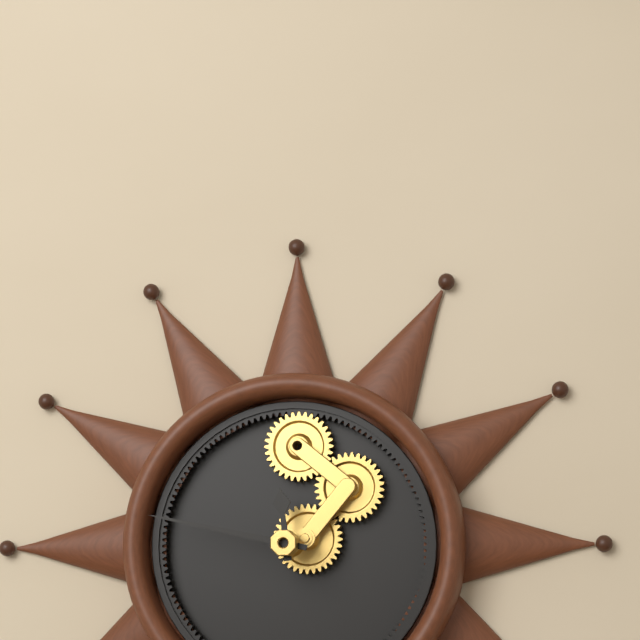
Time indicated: 11:47
